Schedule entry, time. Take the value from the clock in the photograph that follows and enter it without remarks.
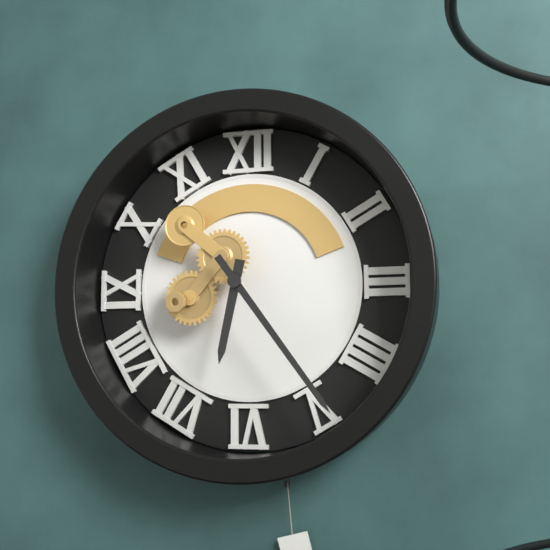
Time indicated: 6:24
